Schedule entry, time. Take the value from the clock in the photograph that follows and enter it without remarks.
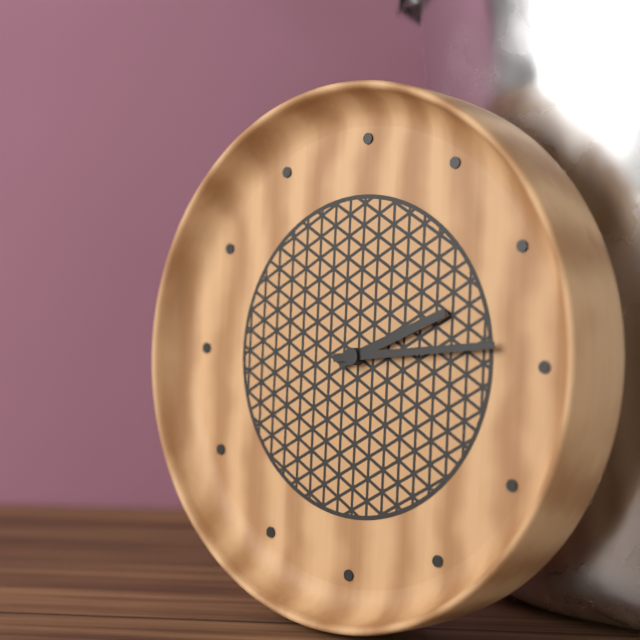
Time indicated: 2:14
